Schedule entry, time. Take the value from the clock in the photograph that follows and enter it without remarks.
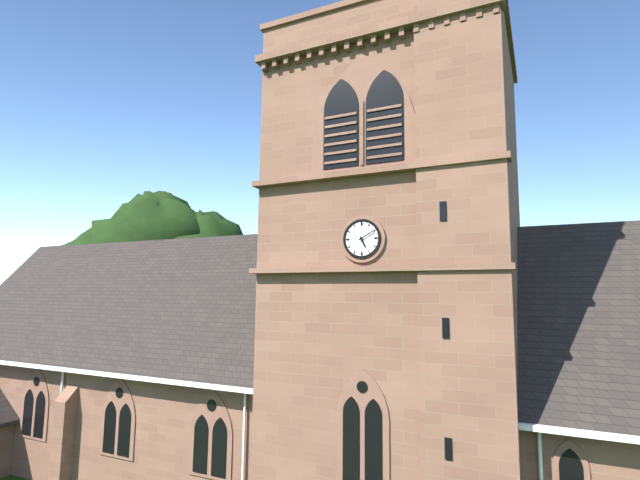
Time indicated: 5:10
